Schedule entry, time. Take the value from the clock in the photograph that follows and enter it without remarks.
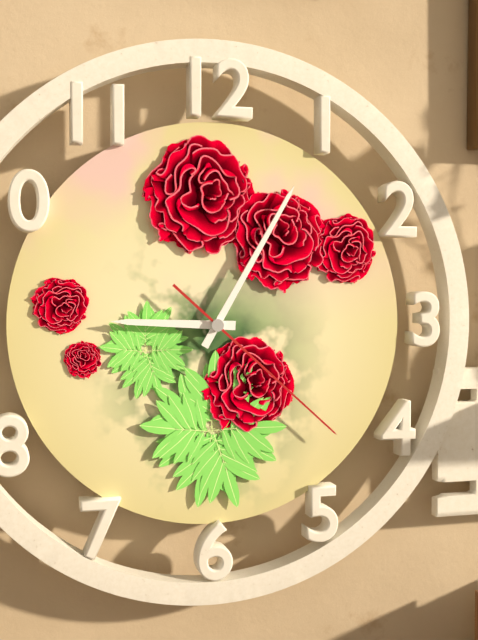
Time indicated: 9:05:22
